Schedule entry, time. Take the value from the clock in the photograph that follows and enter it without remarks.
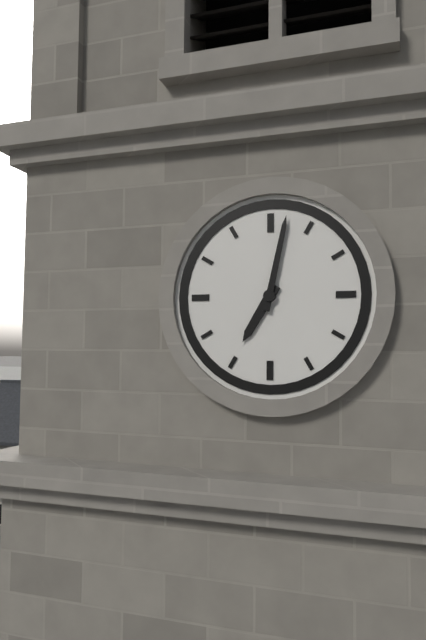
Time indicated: 7:02
